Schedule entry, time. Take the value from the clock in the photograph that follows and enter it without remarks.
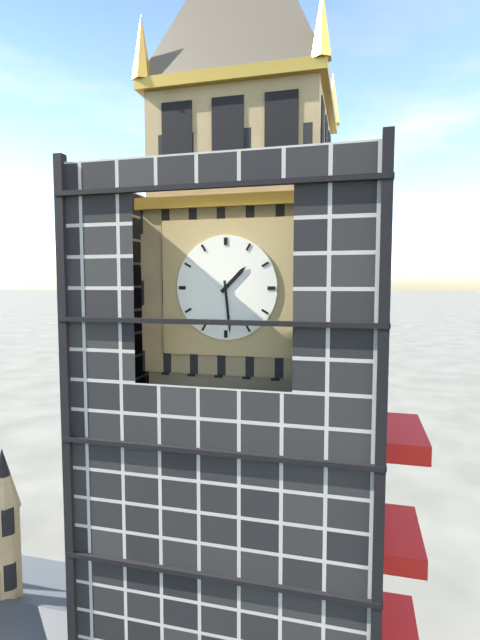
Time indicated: 1:29
